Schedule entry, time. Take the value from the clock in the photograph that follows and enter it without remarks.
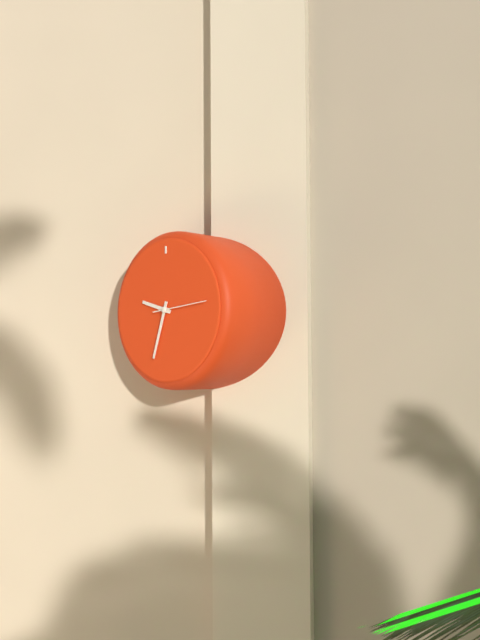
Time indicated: 9:33:14
